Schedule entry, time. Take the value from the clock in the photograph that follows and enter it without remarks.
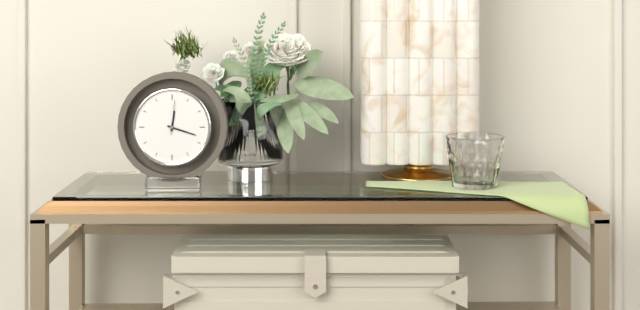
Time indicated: 12:18
